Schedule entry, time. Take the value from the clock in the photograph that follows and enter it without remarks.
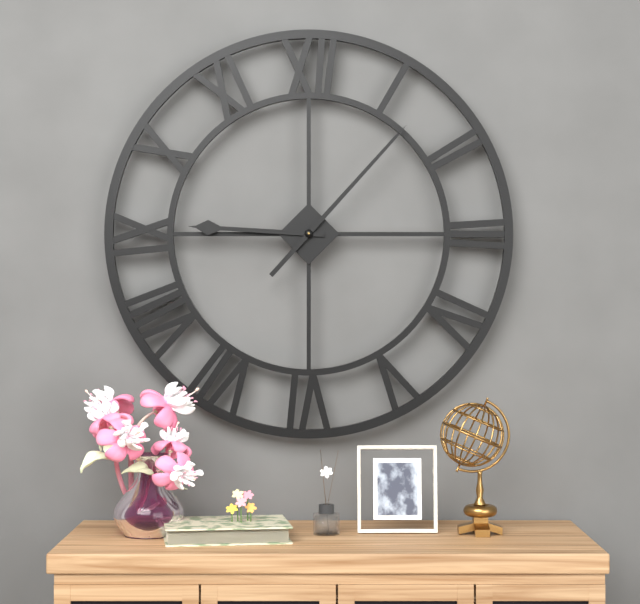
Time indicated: 9:07
